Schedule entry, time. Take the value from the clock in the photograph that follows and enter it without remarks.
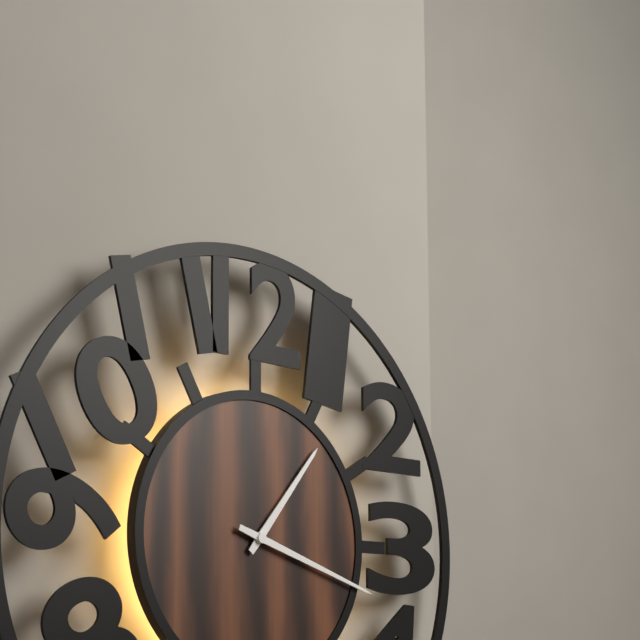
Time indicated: 1:18
